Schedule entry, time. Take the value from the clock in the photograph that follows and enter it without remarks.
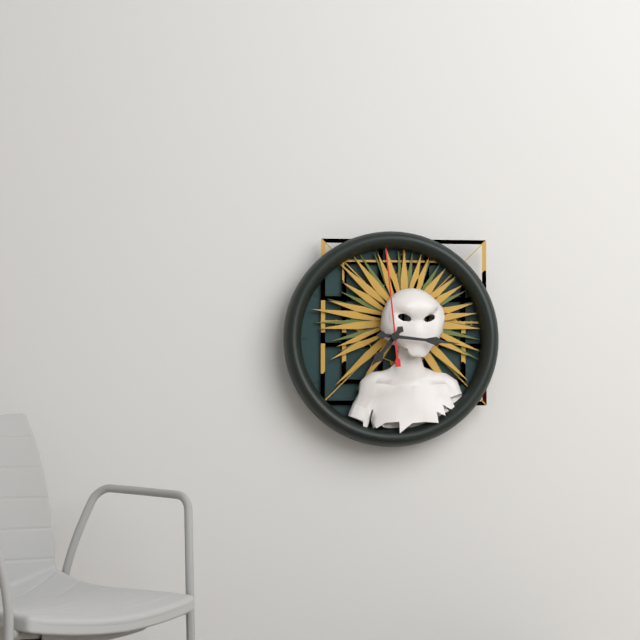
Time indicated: 7:16:59
